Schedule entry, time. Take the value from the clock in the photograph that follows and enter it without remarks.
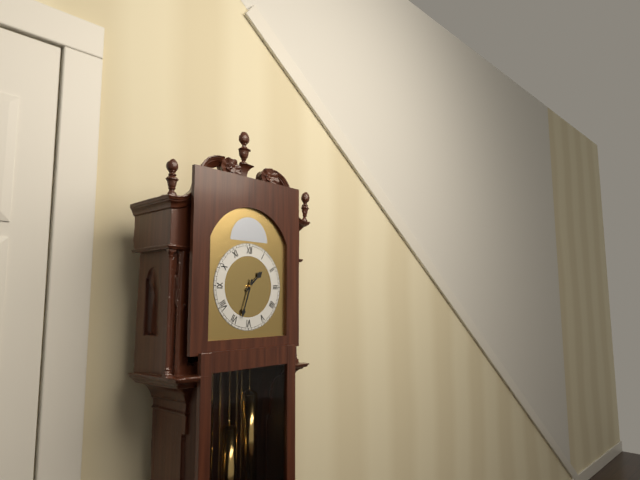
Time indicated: 1:33
